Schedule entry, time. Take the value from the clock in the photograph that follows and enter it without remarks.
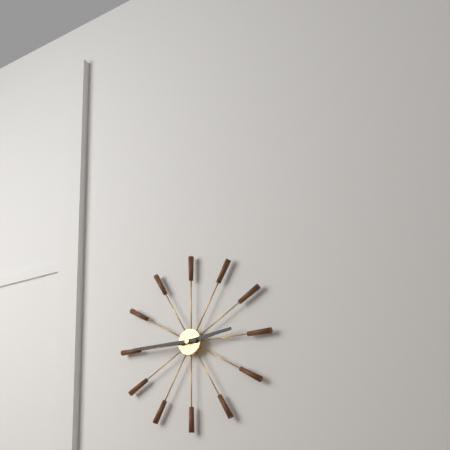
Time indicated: 2:45
